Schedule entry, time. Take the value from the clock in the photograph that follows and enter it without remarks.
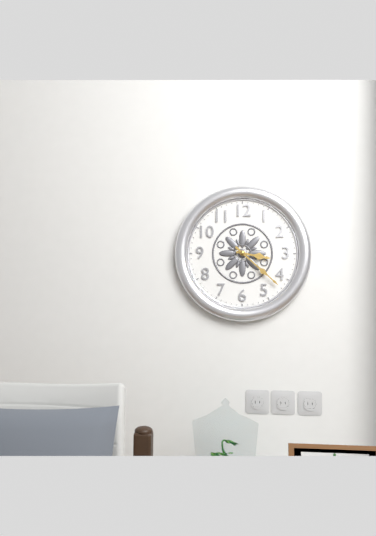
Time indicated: 3:22
